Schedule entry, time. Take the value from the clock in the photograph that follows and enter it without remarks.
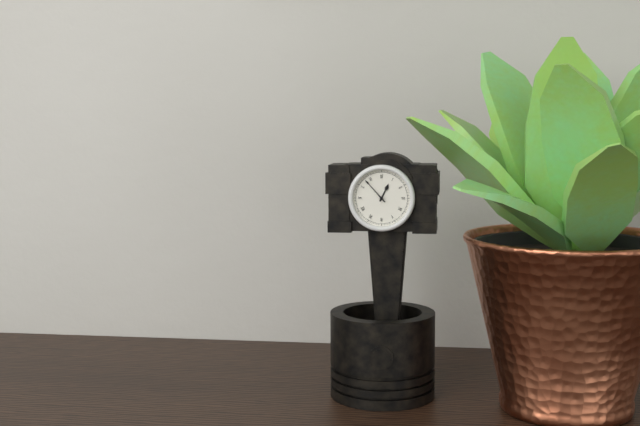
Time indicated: 12:53
